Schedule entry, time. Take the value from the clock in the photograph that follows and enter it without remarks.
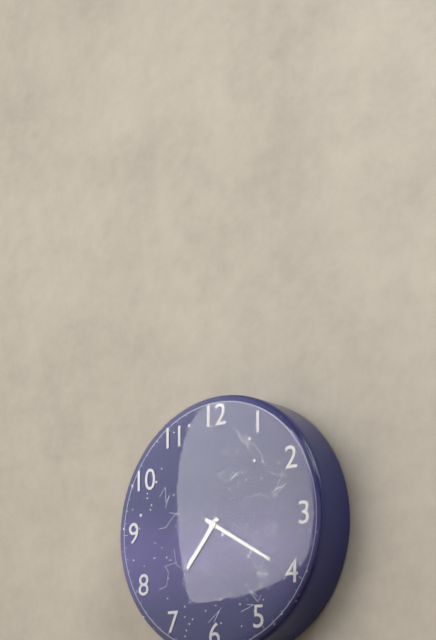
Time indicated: 7:20
